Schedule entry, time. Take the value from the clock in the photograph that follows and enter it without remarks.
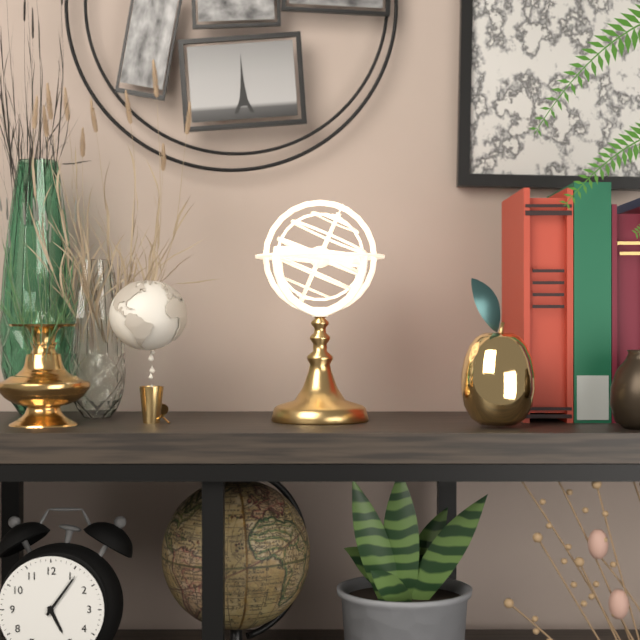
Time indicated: 5:06
